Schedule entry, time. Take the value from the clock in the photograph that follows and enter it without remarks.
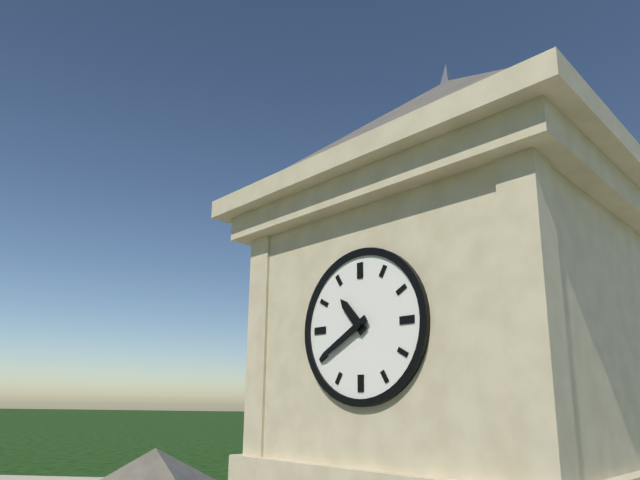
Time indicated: 10:40
